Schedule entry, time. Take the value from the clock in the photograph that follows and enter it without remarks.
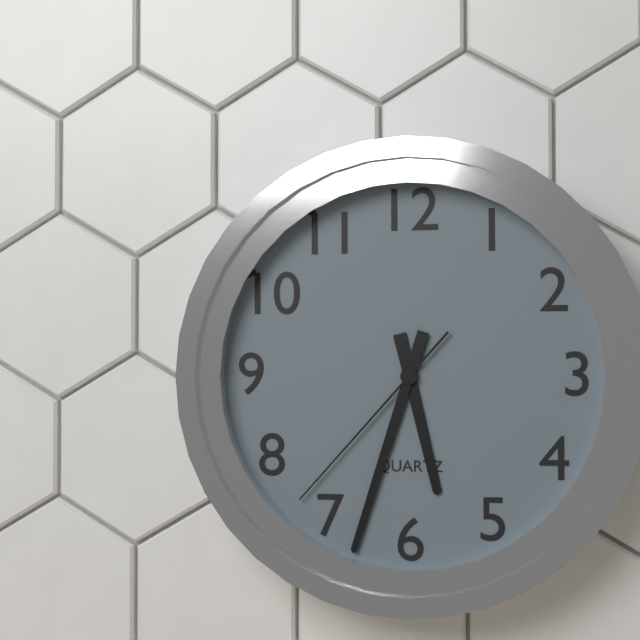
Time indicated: 5:33:37
